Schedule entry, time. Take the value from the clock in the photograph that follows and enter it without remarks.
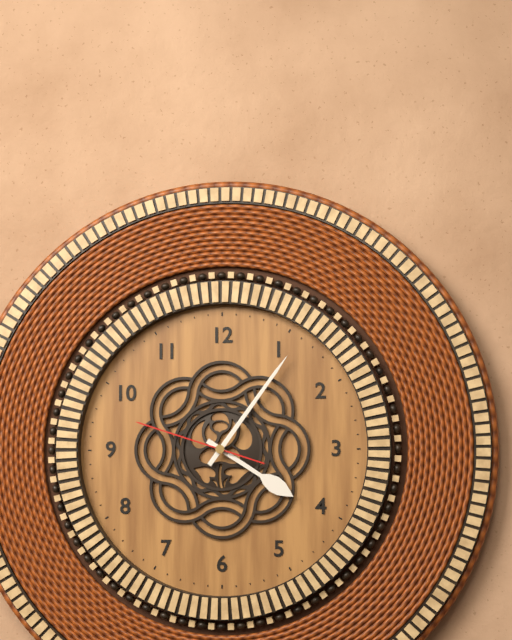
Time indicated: 4:06:48
